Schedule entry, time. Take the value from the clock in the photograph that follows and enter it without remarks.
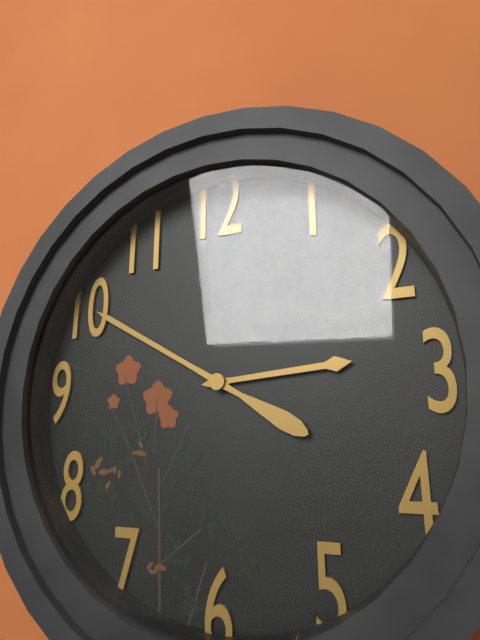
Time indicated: 2:50
